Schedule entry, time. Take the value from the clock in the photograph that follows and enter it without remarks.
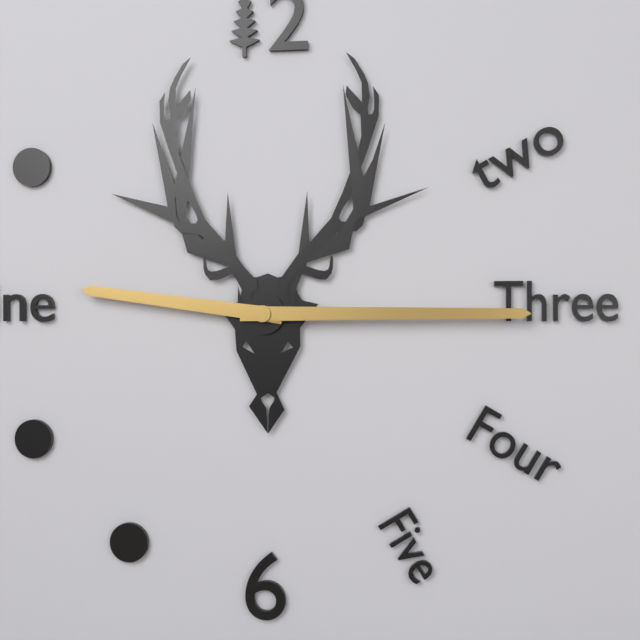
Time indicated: 9:15
